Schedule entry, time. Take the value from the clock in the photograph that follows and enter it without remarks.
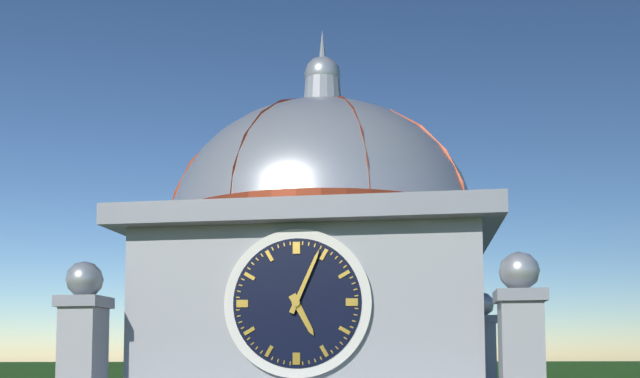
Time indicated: 5:04
